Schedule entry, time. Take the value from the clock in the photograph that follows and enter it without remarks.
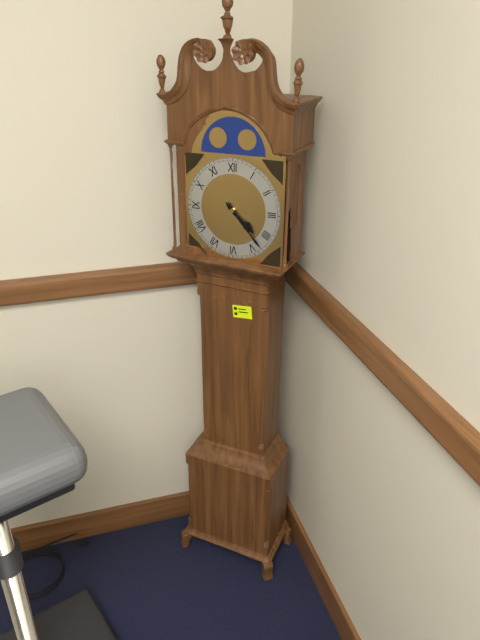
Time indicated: 4:23
